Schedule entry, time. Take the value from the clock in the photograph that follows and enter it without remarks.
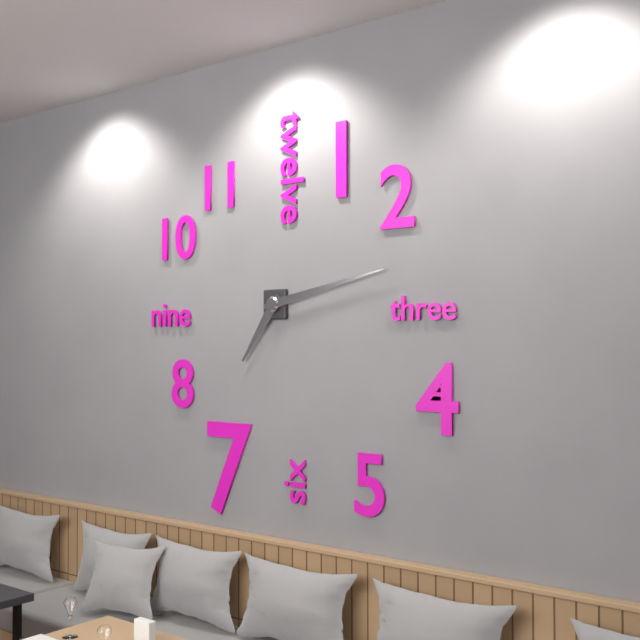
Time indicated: 7:13
